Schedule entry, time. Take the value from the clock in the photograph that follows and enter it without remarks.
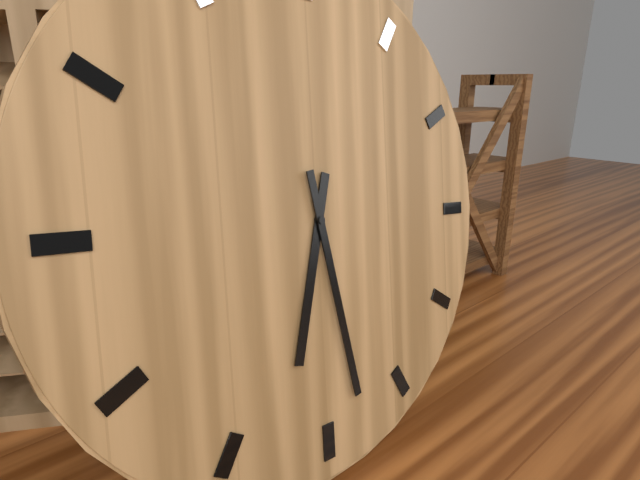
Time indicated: 6:28
